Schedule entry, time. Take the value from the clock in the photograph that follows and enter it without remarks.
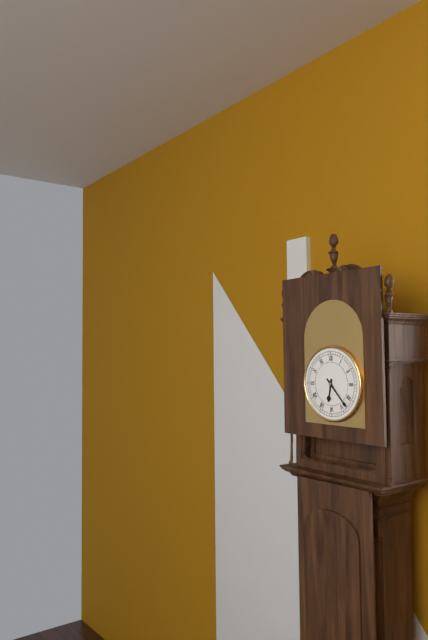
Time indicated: 6:23
